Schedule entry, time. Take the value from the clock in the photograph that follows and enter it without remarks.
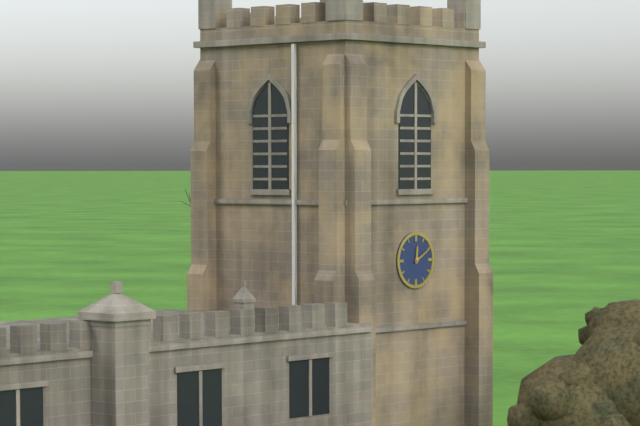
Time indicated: 12:10
